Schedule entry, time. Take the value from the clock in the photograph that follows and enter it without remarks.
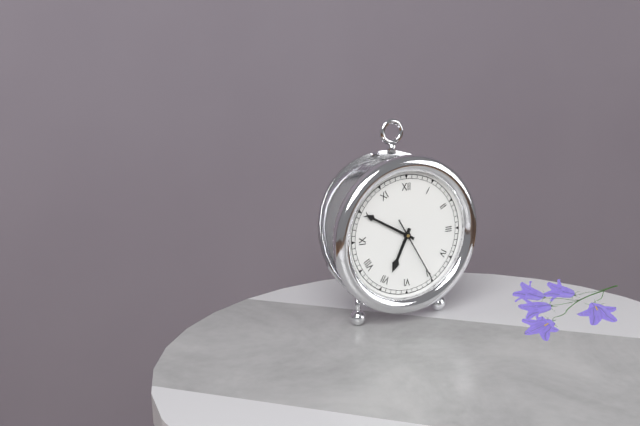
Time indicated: 6:50:25
